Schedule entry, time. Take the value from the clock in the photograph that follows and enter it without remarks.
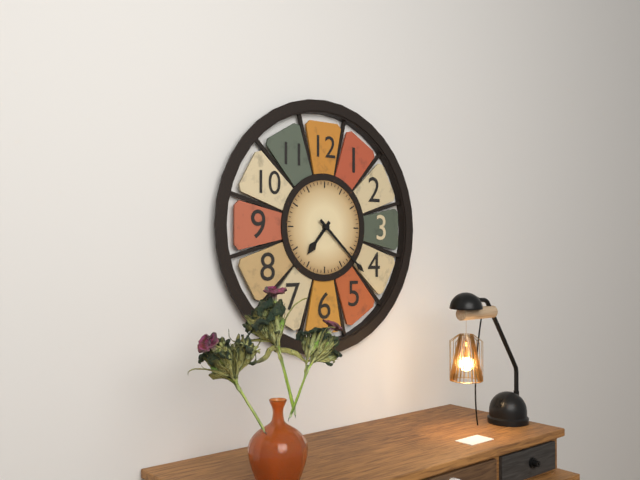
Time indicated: 7:22
